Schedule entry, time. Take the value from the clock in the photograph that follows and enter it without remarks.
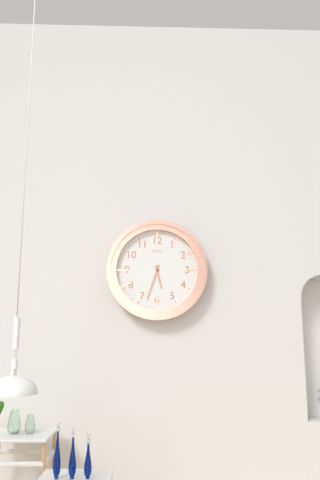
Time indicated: 5:33
